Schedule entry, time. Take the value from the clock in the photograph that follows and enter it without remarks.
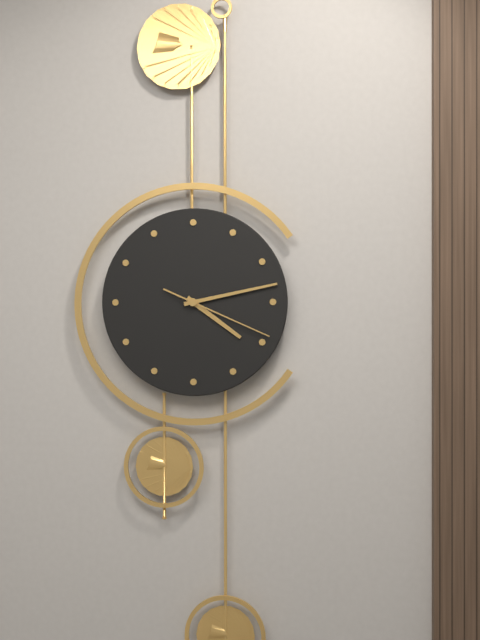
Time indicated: 4:13:19
